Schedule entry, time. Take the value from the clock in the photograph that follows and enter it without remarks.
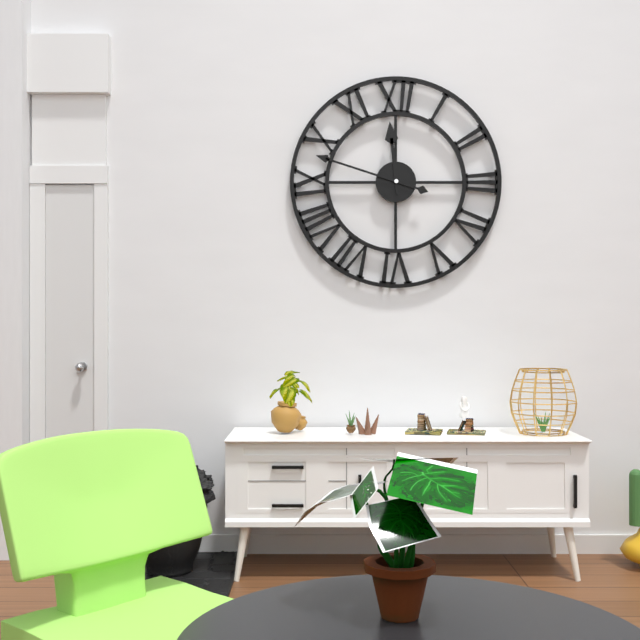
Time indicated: 11:48
